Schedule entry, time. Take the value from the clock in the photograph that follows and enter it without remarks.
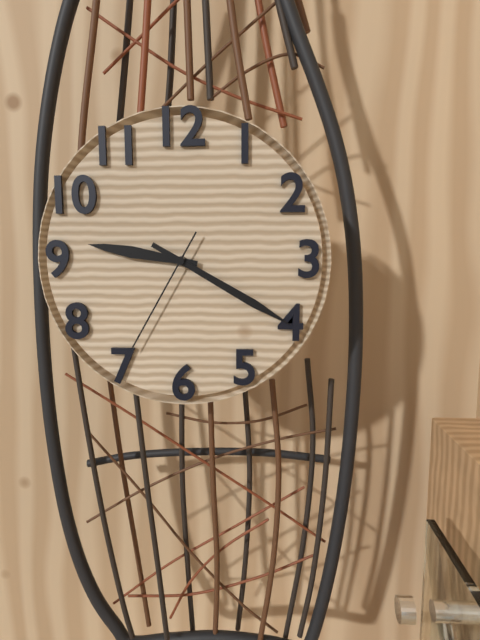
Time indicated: 9:20:35
